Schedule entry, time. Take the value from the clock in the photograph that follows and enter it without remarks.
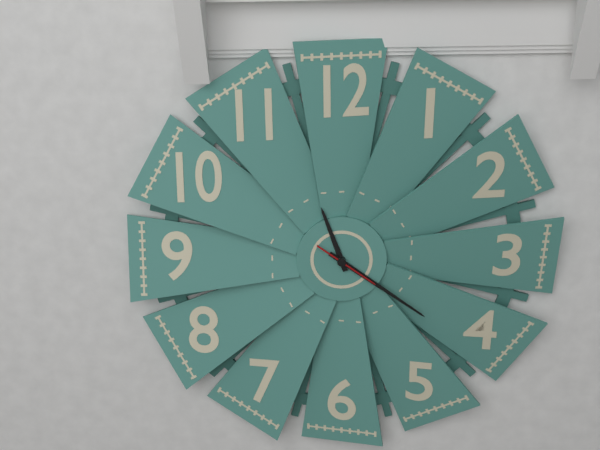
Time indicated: 11:21:21
